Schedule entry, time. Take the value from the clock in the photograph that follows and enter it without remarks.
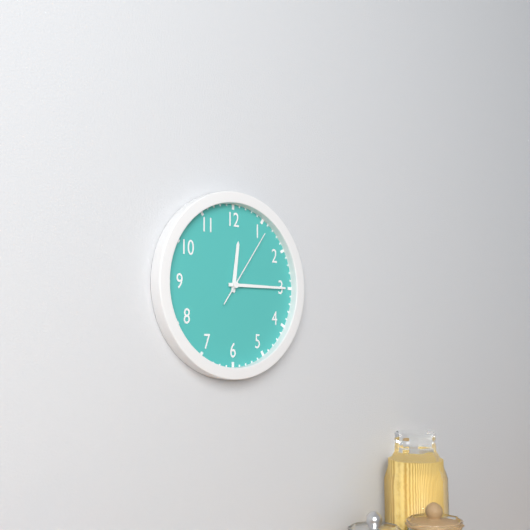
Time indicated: 12:15:06
